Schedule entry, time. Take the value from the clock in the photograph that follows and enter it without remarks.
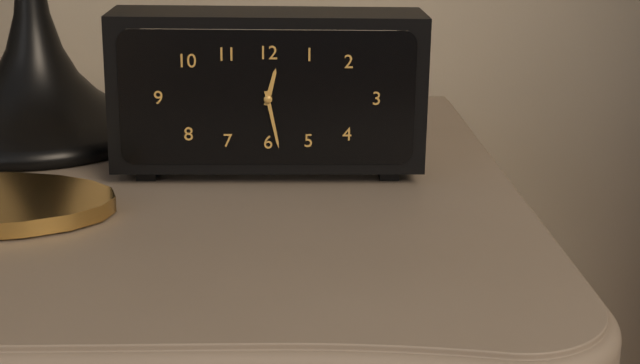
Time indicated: 12:28
